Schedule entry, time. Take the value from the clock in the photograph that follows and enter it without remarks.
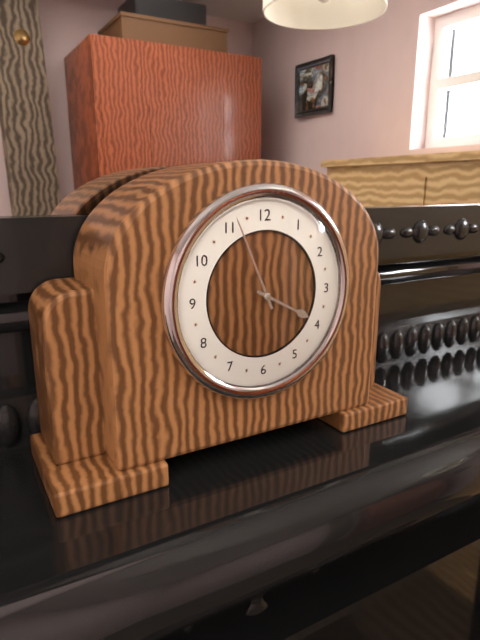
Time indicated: 3:56
